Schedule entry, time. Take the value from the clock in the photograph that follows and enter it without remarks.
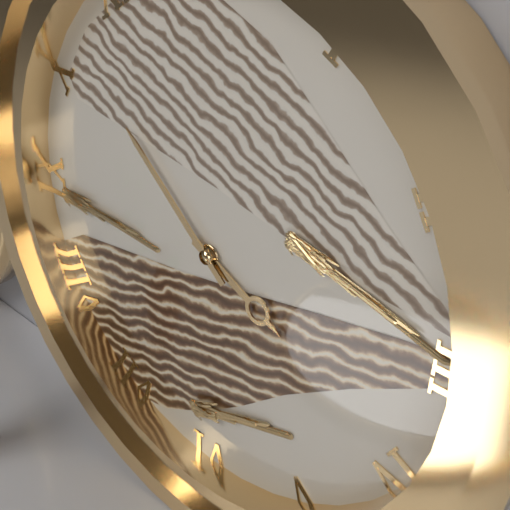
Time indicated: 3:52
